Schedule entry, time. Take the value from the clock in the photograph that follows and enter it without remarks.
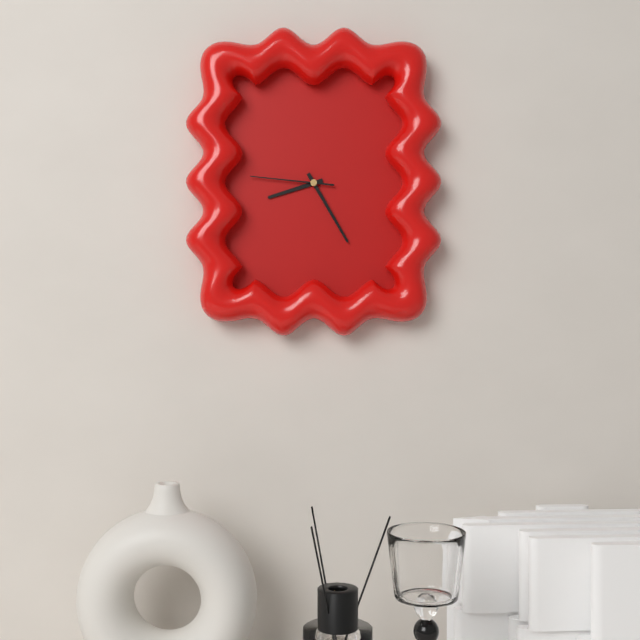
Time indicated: 8:25:46
